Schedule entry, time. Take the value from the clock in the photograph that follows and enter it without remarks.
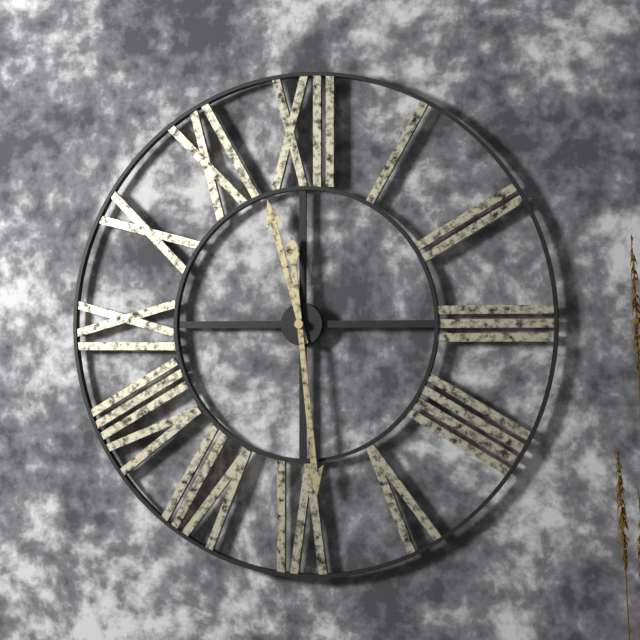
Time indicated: 11:29
